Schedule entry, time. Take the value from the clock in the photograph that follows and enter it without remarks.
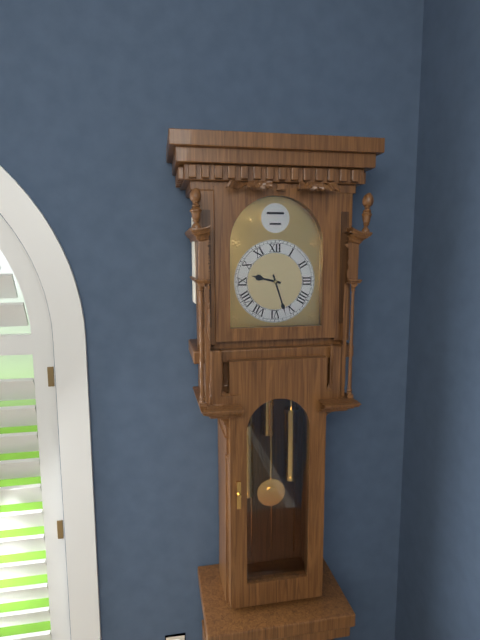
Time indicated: 9:27
